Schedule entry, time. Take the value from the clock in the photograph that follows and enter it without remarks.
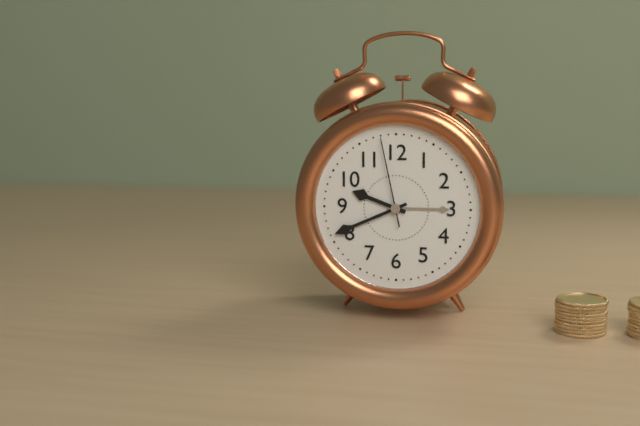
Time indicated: 9:41:58
